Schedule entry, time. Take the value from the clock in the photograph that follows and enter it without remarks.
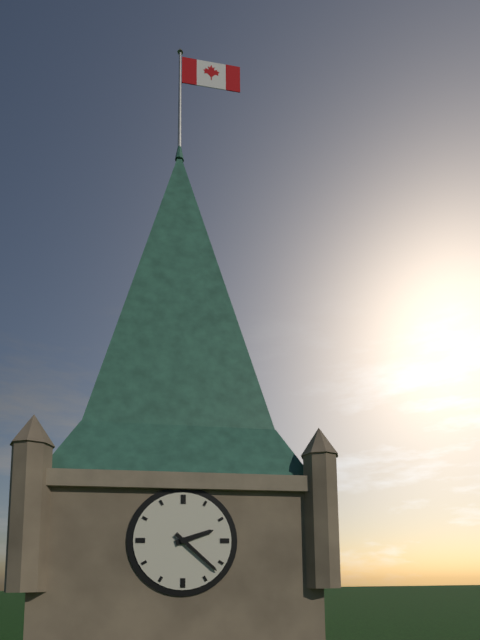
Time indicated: 2:22
